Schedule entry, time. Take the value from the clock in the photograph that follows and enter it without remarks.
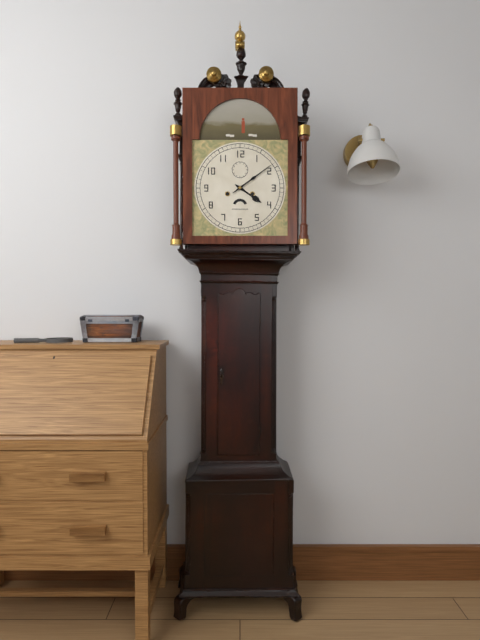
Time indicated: 4:09
